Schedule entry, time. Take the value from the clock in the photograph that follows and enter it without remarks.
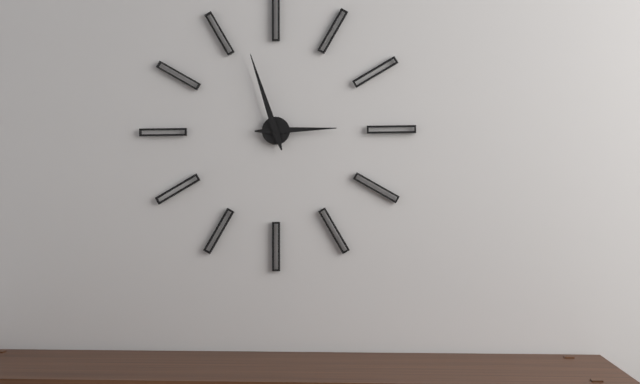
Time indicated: 2:57
